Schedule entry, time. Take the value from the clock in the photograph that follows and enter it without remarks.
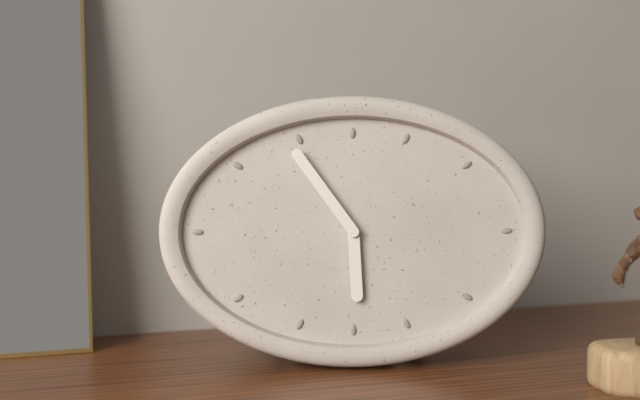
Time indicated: 5:54
